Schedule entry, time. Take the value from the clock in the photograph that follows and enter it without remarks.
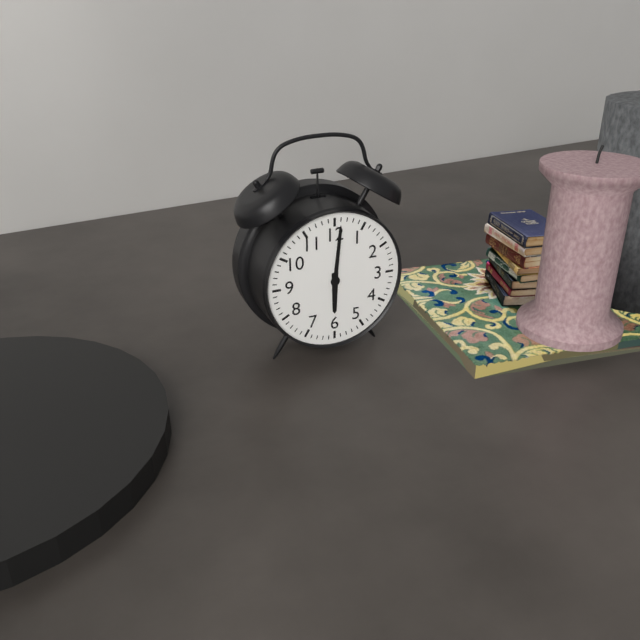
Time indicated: 6:01
